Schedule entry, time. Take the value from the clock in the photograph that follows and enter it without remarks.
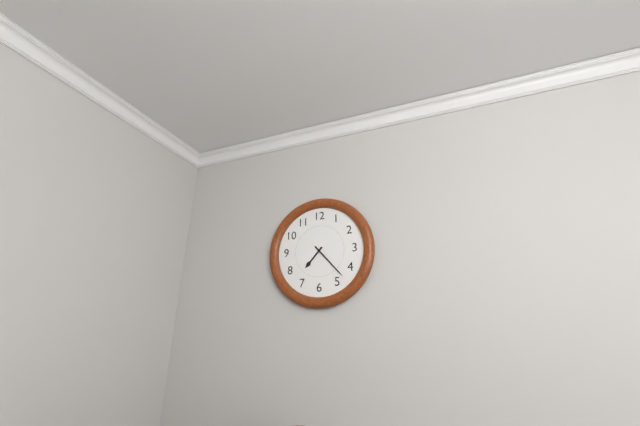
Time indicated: 7:23
